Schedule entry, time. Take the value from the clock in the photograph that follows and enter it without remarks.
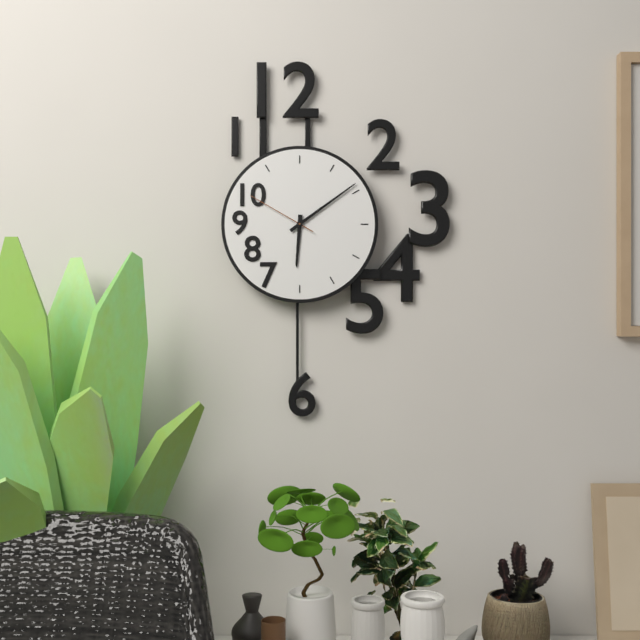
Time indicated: 6:09:50
